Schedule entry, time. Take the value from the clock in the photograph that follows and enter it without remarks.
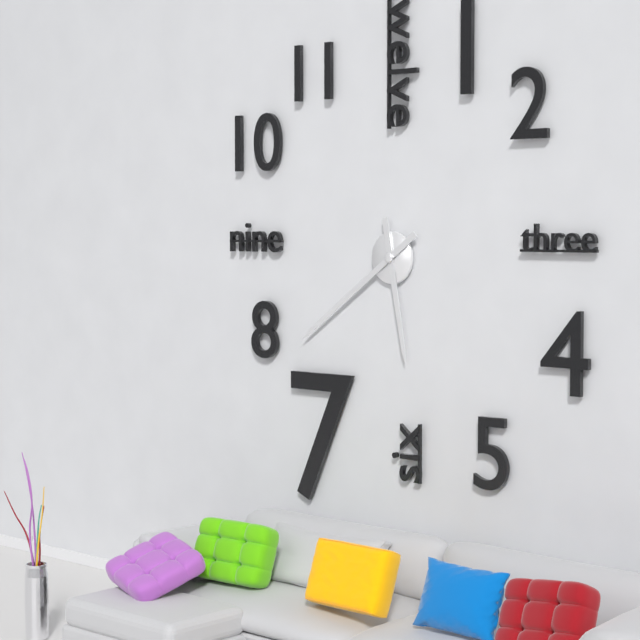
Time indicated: 5:39
